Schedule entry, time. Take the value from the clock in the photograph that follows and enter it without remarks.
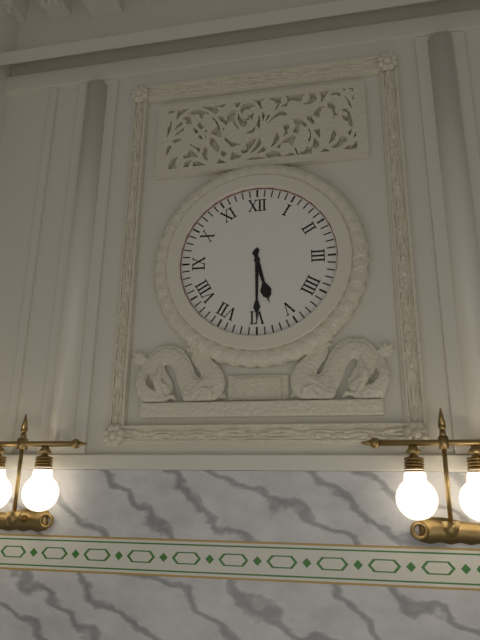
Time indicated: 5:30
